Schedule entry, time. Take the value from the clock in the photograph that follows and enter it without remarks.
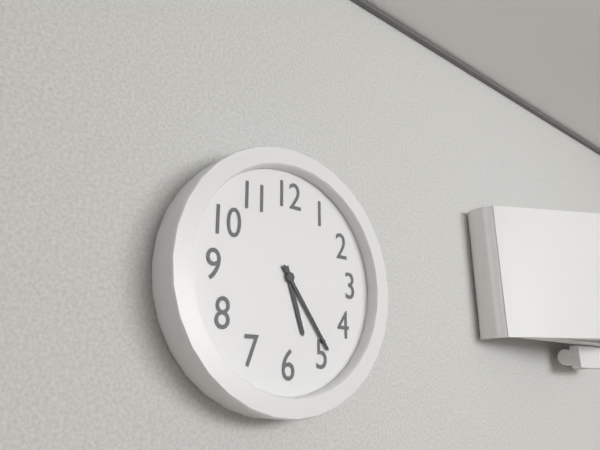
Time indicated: 5:24
